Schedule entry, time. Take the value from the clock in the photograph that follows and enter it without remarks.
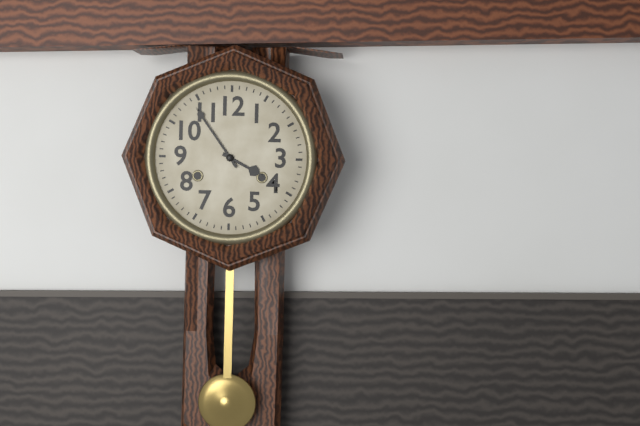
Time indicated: 3:54
